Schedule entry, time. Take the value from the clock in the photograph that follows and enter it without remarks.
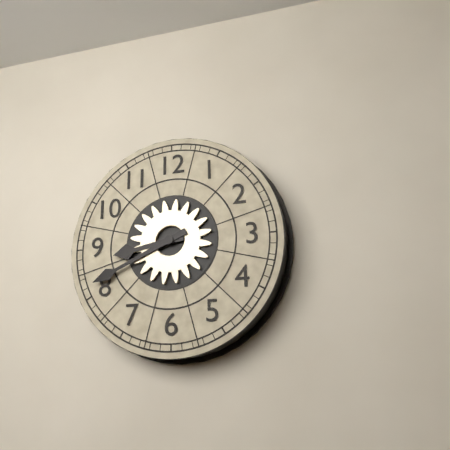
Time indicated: 8:41
